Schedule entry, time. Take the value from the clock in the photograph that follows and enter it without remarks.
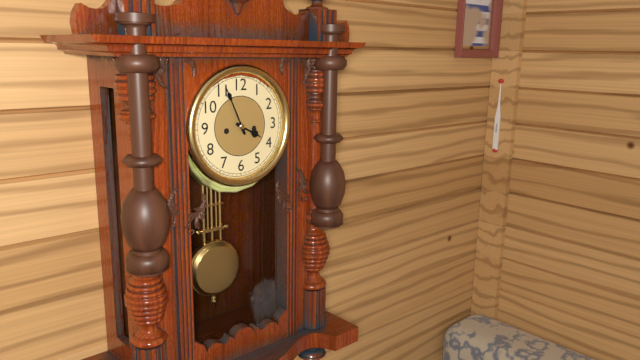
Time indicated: 3:56
